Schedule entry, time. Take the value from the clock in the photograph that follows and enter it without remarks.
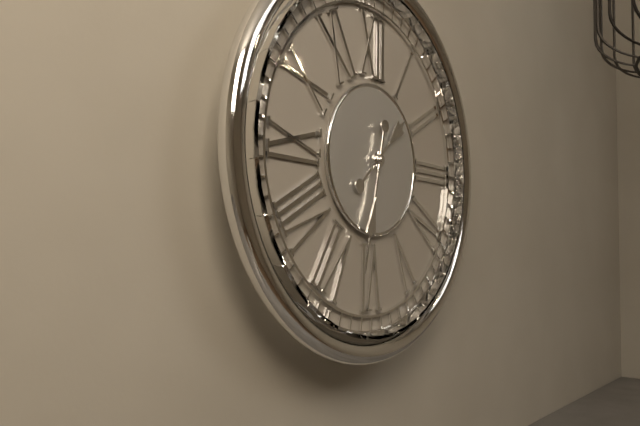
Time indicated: 1:32
